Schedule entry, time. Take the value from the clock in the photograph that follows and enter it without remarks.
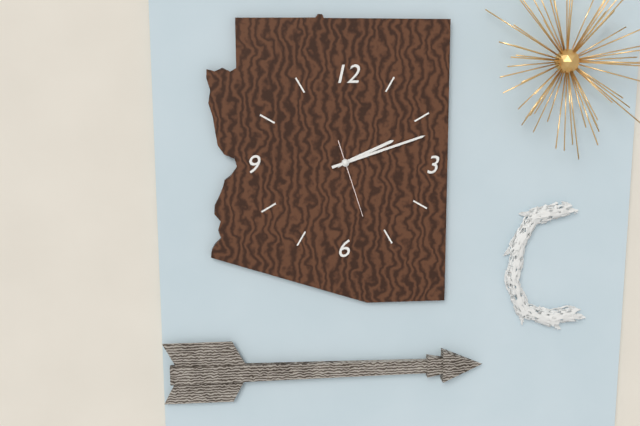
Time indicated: 2:12:27
